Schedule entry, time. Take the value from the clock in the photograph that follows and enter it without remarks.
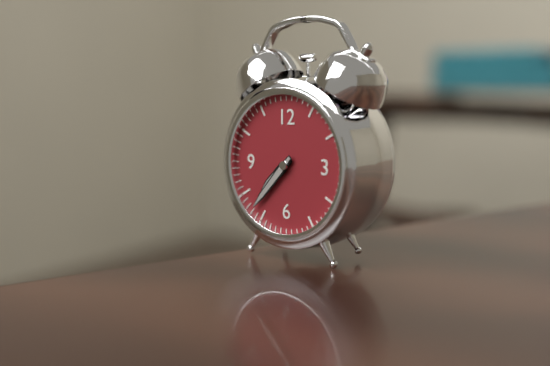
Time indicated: 7:37
